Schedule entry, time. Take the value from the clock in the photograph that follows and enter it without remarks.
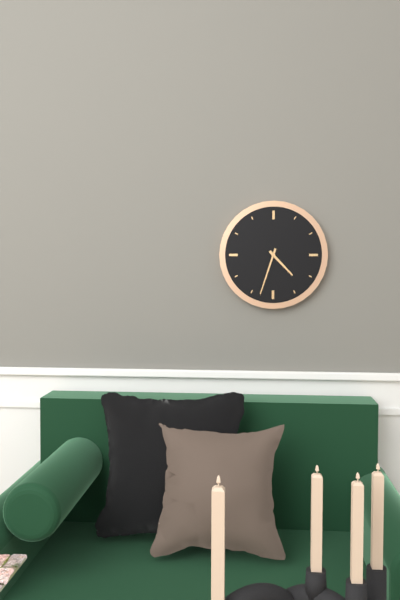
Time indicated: 4:33
